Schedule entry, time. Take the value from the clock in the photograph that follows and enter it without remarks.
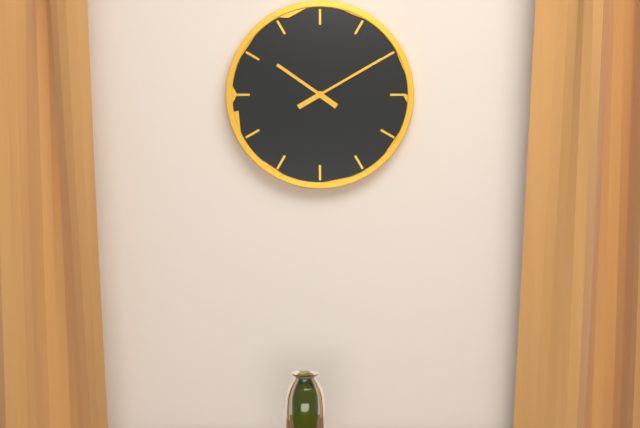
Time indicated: 10:10
